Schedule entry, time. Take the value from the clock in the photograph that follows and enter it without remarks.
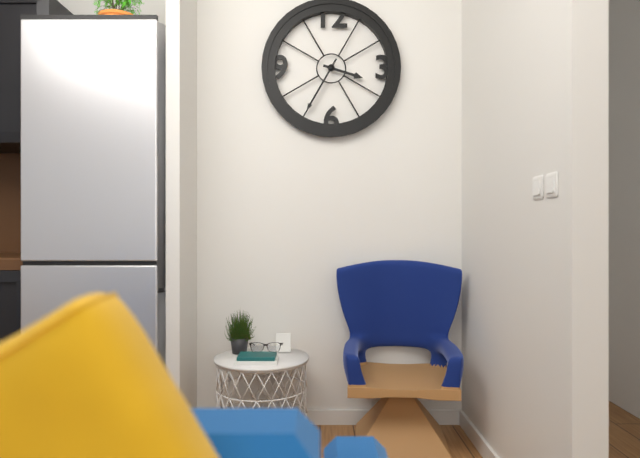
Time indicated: 3:35
